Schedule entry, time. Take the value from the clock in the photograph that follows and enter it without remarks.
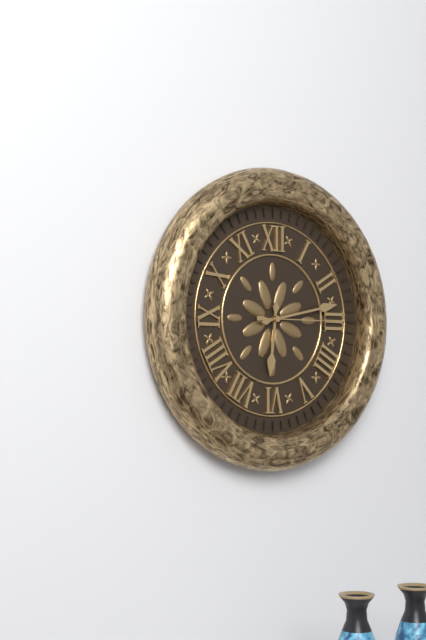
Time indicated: 6:13:15
